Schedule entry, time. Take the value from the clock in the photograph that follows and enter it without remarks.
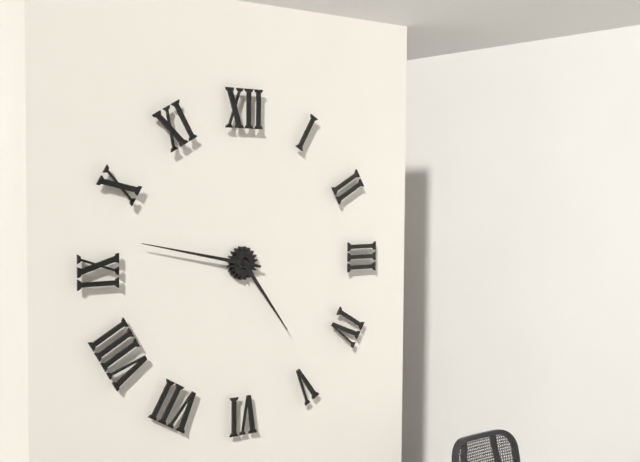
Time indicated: 4:47
